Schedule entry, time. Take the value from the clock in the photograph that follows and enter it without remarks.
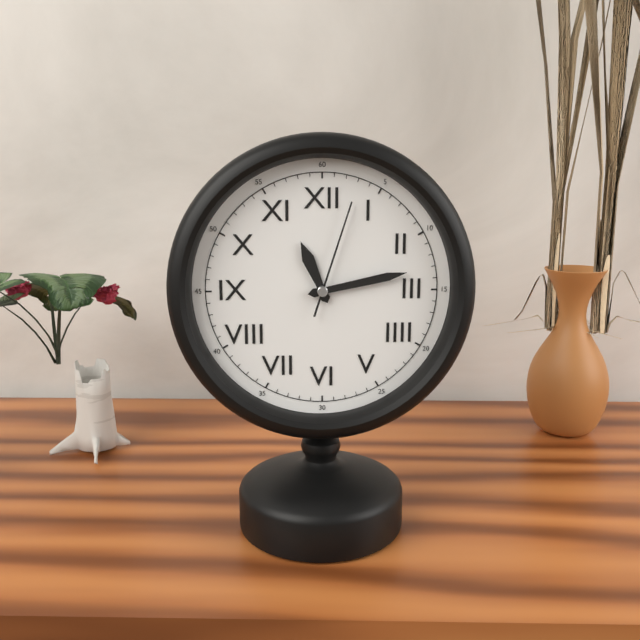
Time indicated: 11:13:03
